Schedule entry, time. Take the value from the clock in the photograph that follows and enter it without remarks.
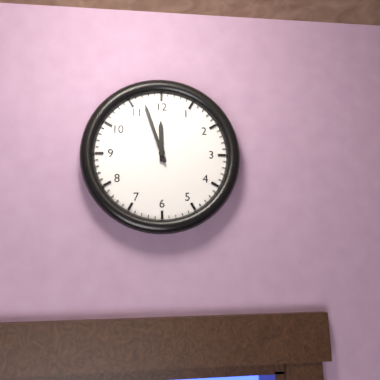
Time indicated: 11:57
